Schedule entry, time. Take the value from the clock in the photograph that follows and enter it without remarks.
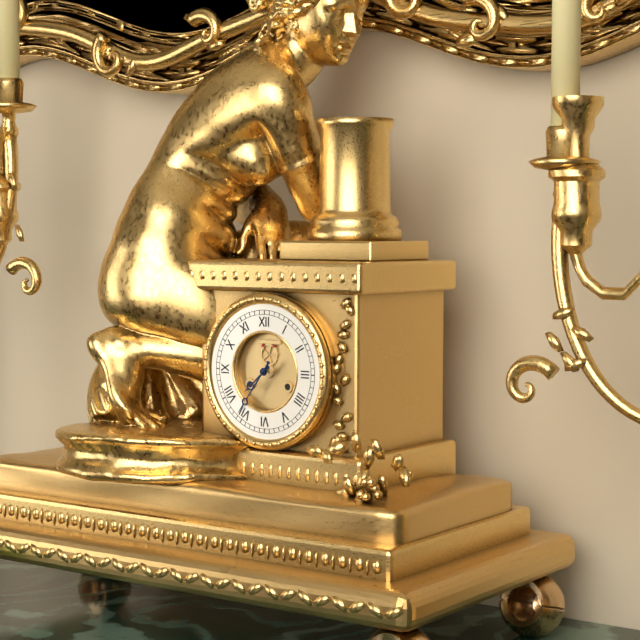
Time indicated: 7:36
